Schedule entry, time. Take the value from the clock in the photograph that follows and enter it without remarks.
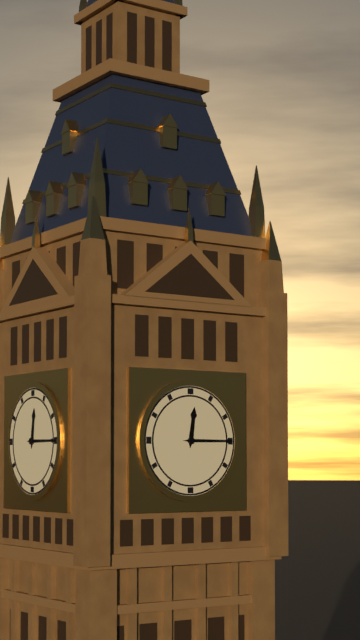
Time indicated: 12:15
